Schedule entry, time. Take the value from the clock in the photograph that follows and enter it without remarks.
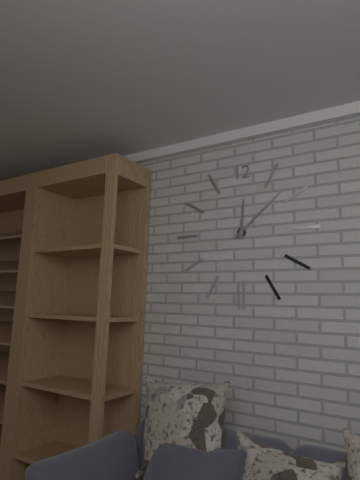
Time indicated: 12:08
